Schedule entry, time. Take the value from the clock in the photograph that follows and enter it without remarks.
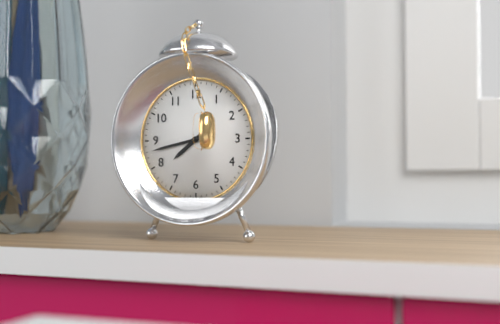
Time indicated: 7:43
